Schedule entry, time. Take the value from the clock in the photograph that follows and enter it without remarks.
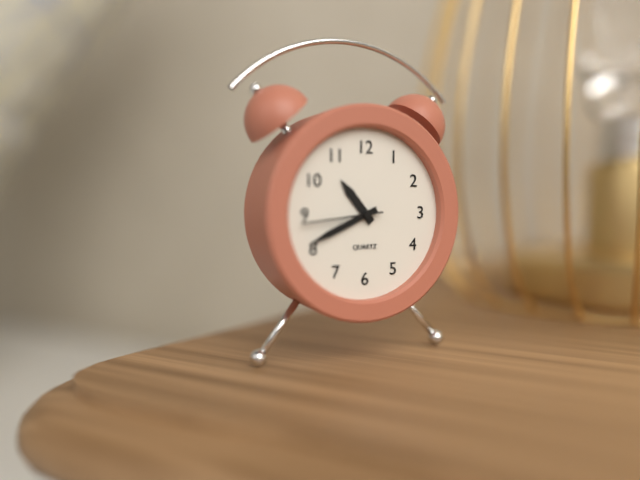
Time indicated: 10:41:44
